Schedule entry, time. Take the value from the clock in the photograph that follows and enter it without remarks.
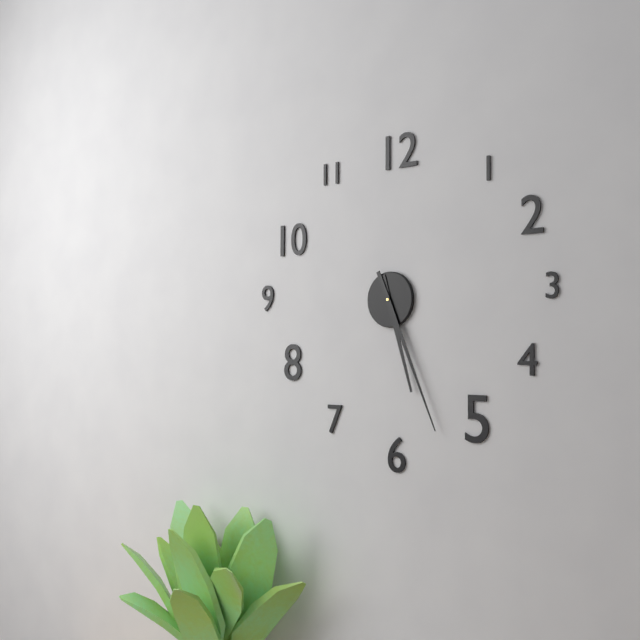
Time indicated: 5:26
